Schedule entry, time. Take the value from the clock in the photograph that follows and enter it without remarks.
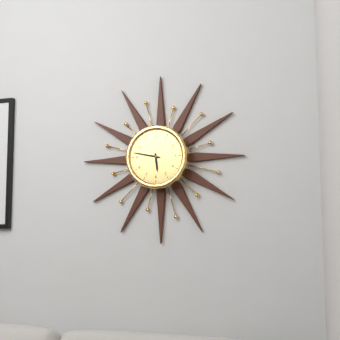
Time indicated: 5:47
